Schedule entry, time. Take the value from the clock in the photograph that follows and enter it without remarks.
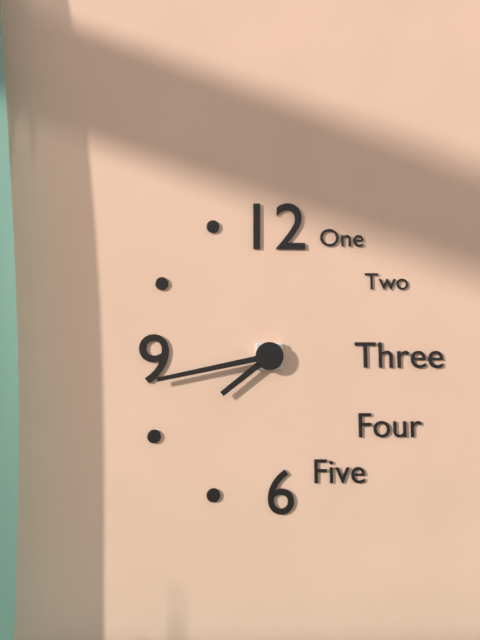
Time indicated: 7:43
